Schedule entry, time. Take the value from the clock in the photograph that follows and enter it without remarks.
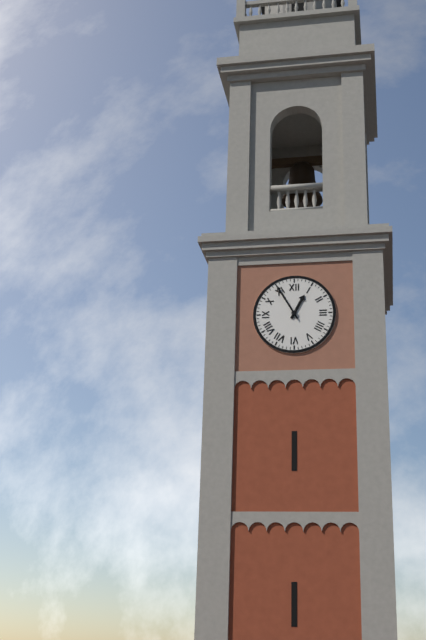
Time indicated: 12:55
